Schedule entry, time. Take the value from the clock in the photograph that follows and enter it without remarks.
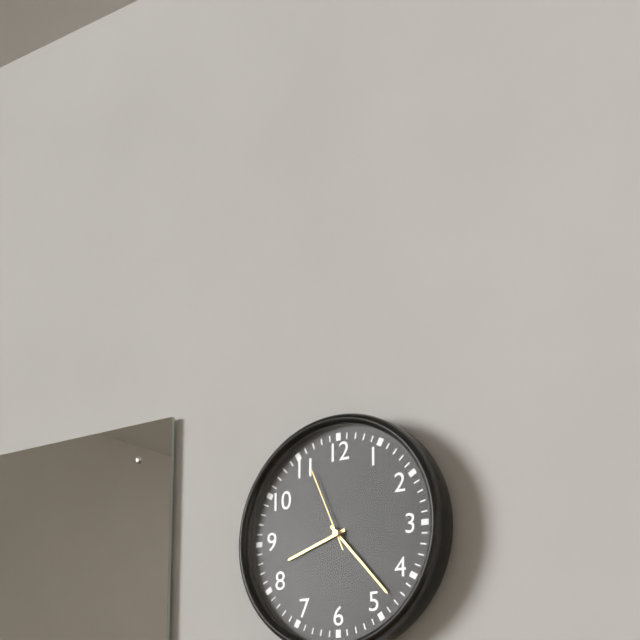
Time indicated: 8:23:56
